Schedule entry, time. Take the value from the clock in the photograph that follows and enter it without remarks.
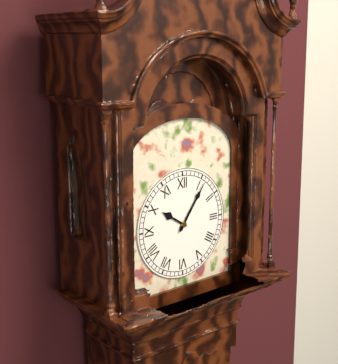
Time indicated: 10:06
